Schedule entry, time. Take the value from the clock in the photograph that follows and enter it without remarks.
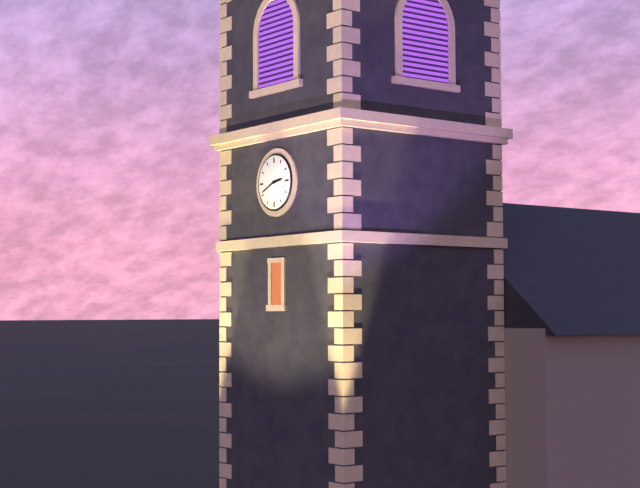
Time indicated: 2:41
